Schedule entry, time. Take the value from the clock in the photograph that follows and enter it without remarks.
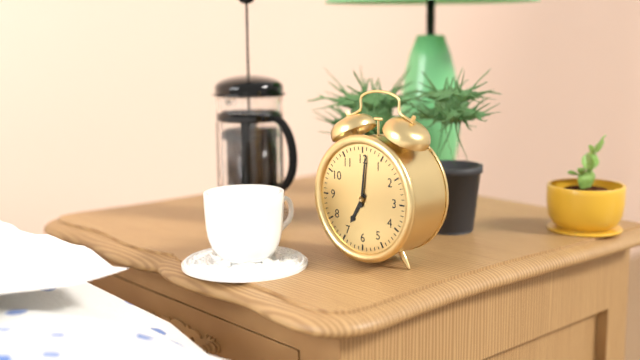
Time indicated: 7:01
